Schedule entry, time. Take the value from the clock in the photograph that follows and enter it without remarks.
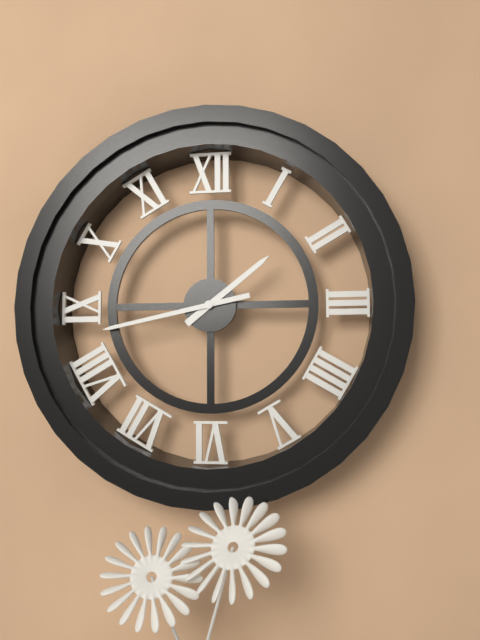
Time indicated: 1:43
